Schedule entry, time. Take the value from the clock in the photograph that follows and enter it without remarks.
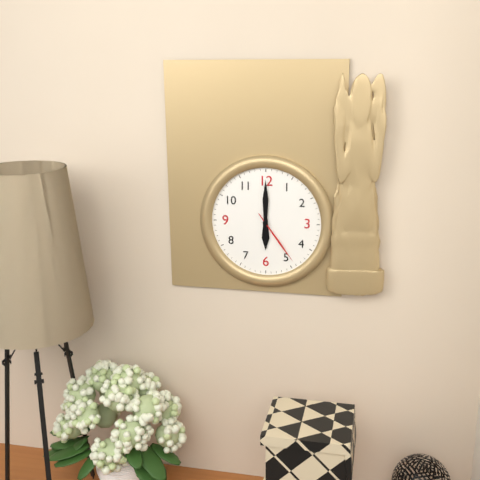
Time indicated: 6:00:24
